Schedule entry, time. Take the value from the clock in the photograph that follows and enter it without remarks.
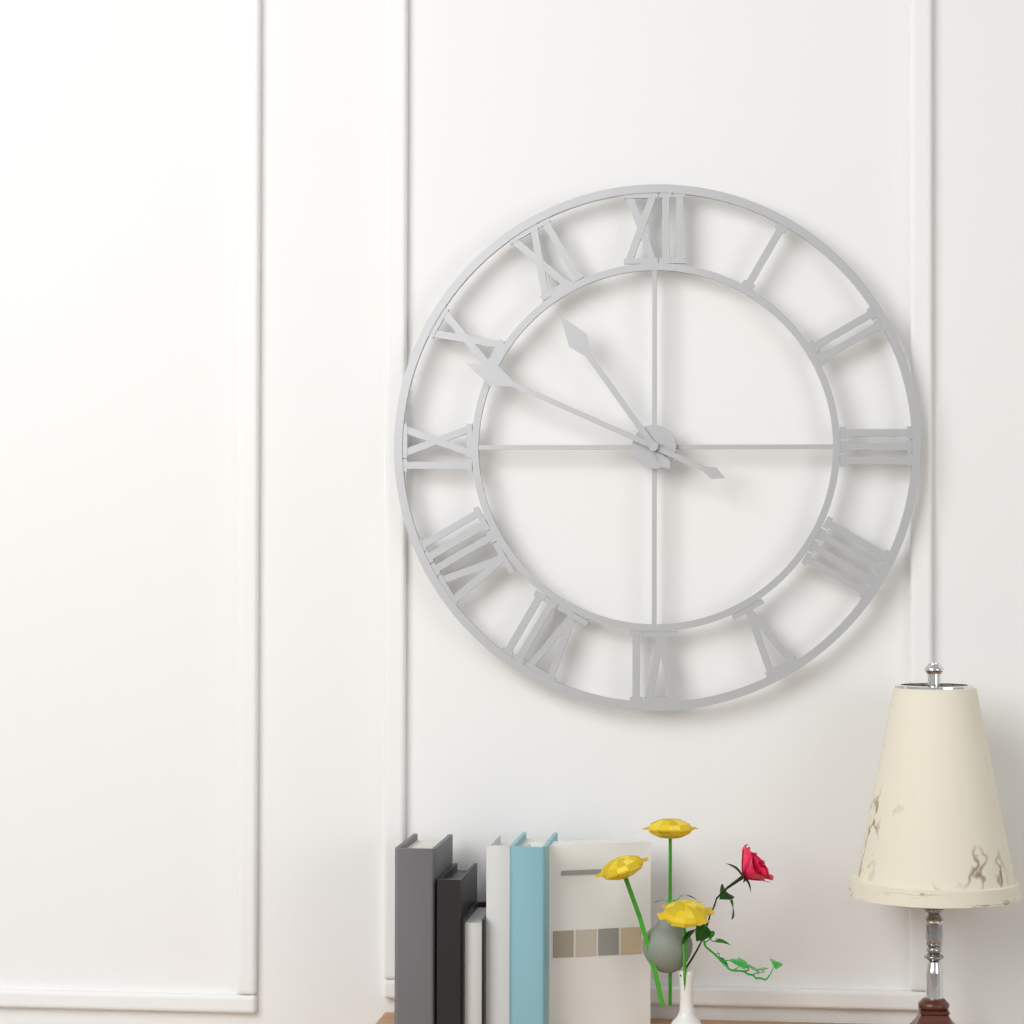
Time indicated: 10:49
